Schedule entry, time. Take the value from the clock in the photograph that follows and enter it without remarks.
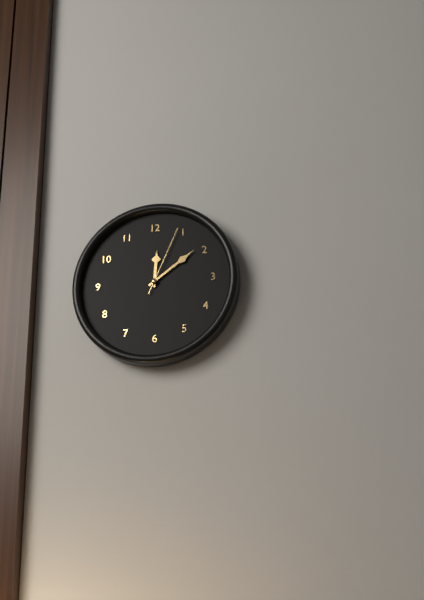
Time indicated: 12:09:04
